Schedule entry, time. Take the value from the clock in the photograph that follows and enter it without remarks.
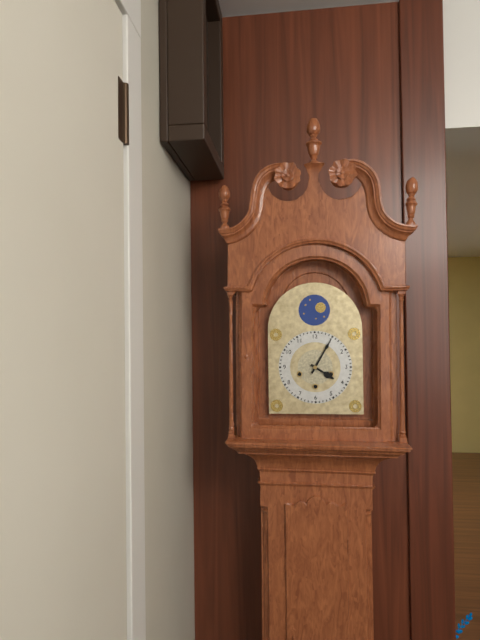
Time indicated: 4:05
